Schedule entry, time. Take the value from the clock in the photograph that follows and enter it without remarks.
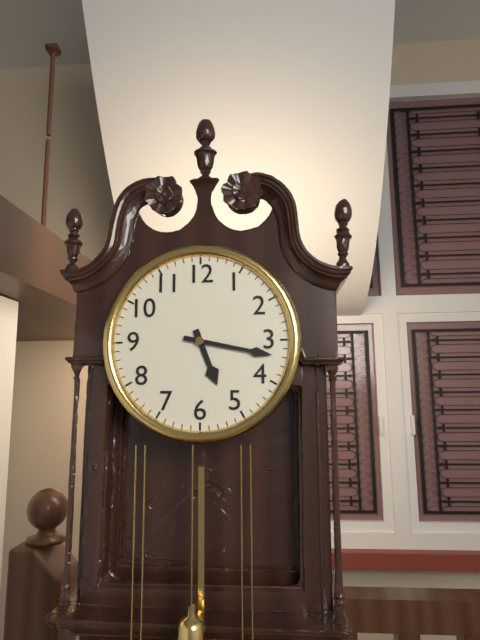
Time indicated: 5:17
